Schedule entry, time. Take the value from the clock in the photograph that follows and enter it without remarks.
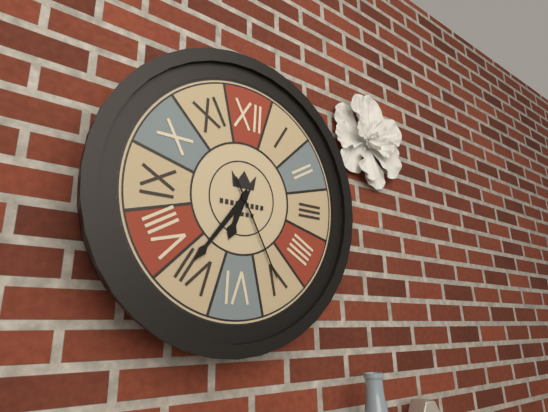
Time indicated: 6:36:25
